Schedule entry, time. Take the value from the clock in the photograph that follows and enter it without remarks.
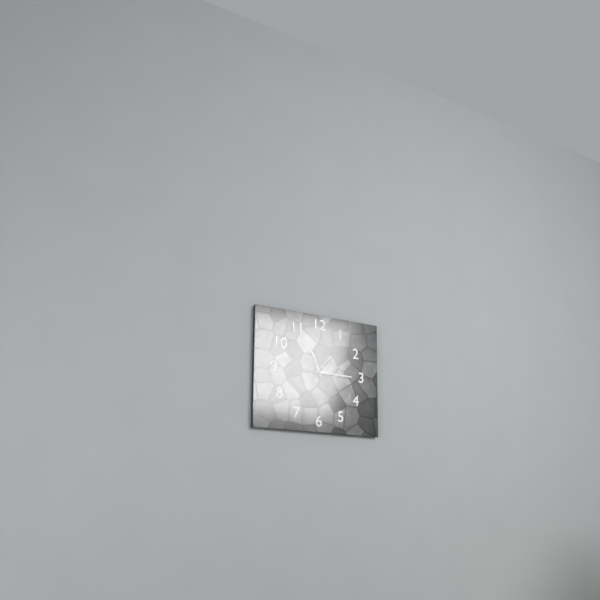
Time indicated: 11:15
